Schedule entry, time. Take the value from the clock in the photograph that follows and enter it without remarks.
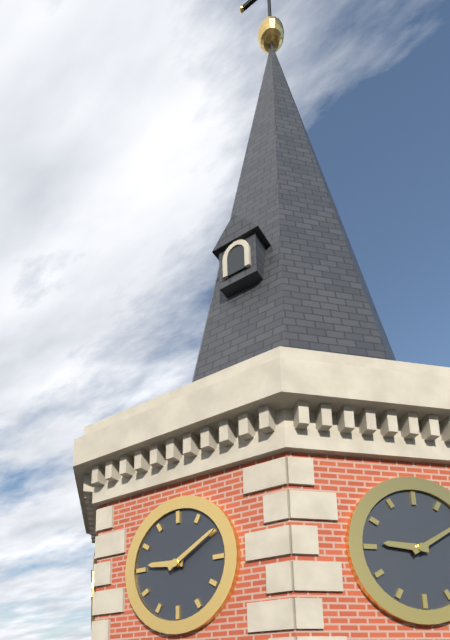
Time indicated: 9:10
